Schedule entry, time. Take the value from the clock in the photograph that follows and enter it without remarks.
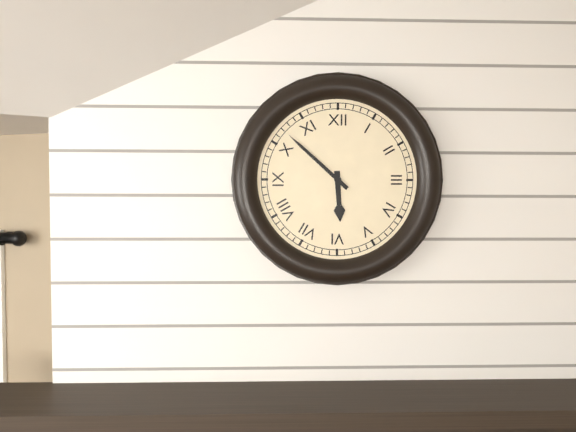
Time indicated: 5:52
